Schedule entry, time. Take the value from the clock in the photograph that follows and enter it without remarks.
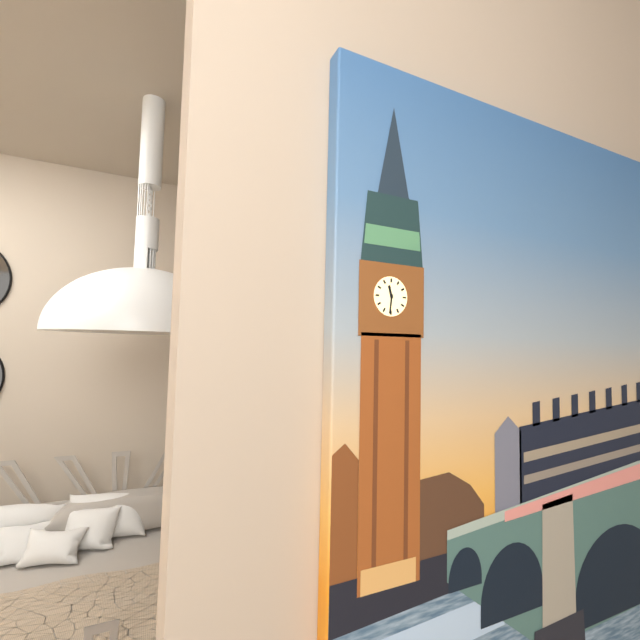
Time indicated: 11:31
